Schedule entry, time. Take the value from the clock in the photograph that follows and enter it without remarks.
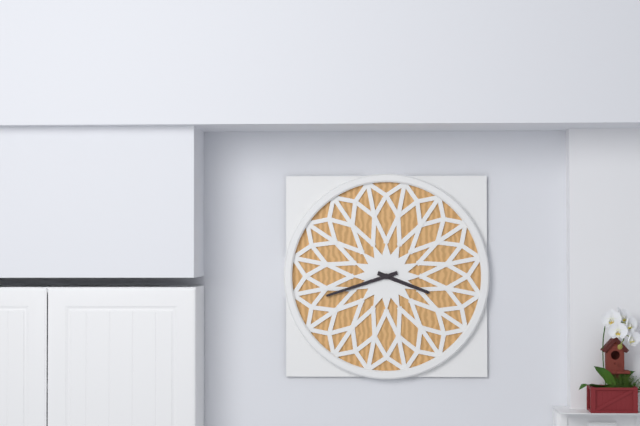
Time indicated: 3:42
